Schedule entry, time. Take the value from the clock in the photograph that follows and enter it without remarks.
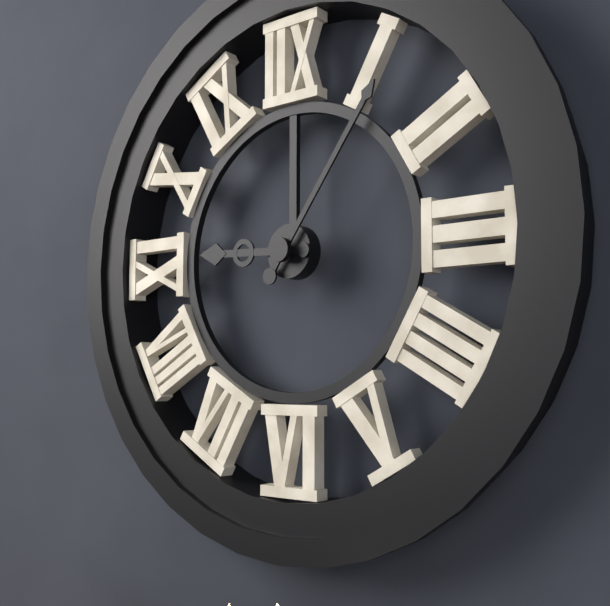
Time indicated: 9:06
